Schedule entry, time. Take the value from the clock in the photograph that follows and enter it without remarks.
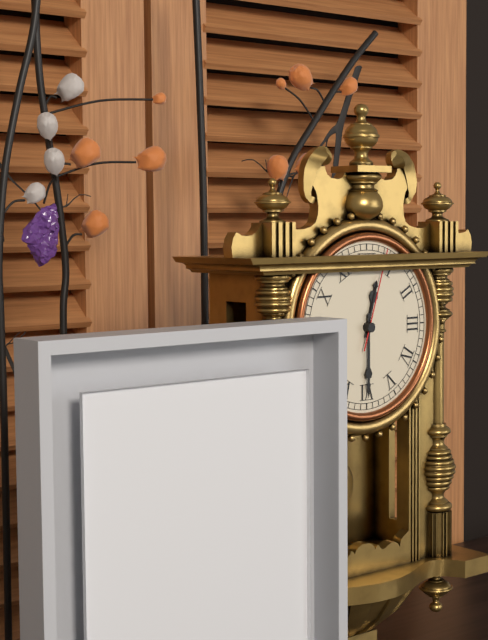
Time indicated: 12:30:03
